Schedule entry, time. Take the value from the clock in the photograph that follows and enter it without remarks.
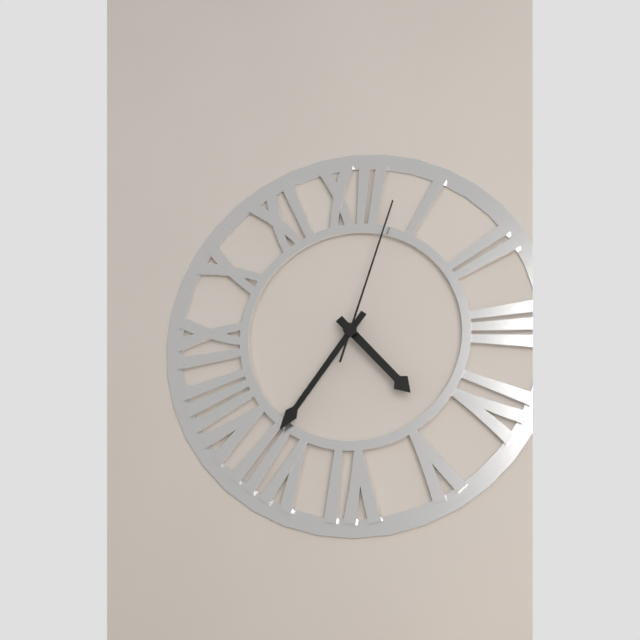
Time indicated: 4:36:03
